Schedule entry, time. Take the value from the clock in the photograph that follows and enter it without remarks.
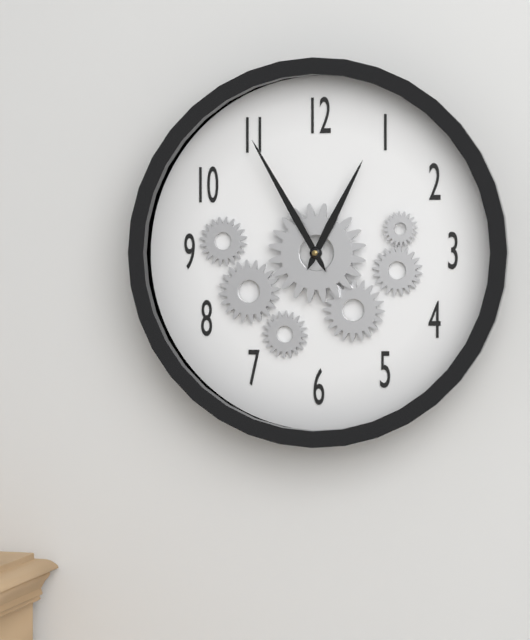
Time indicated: 12:55
